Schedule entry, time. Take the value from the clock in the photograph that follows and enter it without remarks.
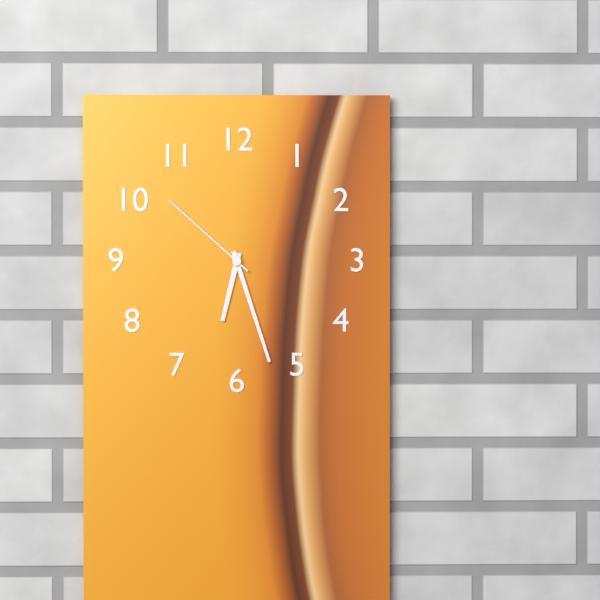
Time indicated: 6:27:52
